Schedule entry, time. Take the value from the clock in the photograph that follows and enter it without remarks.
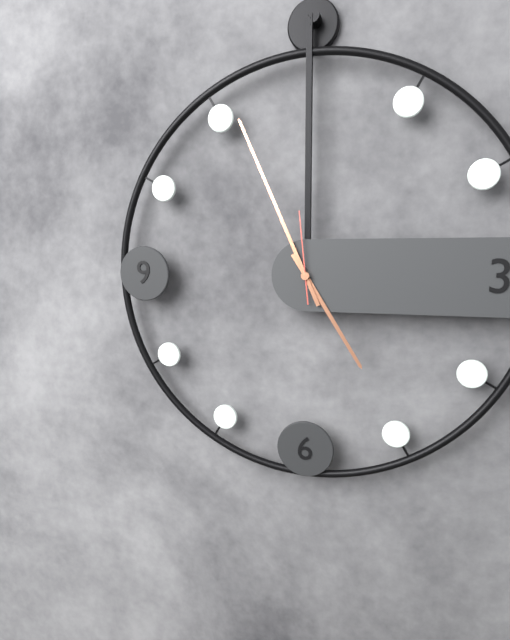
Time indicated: 4:56:59
